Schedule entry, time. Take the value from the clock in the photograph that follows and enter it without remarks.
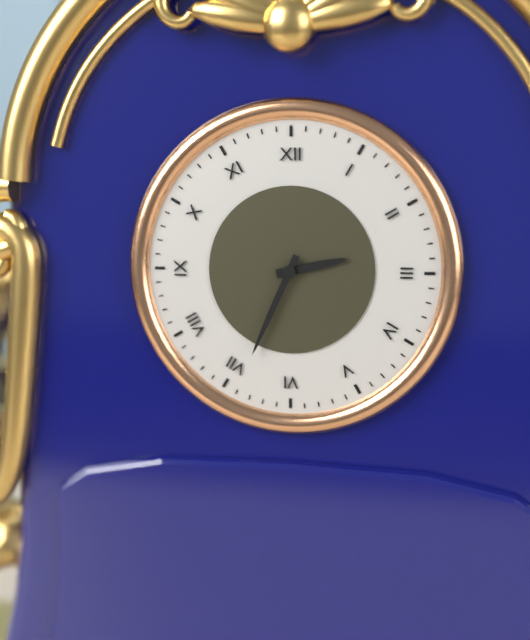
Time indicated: 2:34
